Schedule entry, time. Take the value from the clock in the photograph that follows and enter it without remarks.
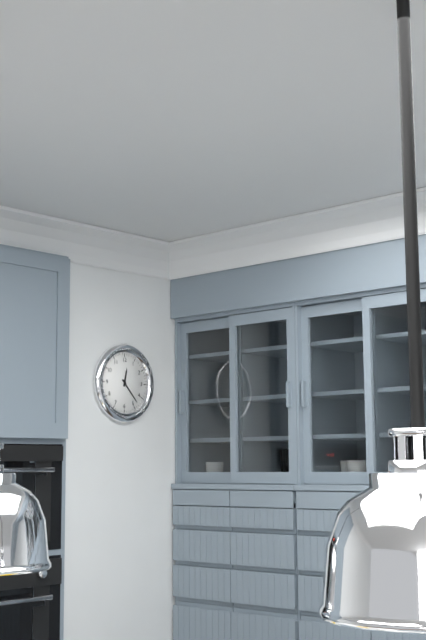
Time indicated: 12:23
